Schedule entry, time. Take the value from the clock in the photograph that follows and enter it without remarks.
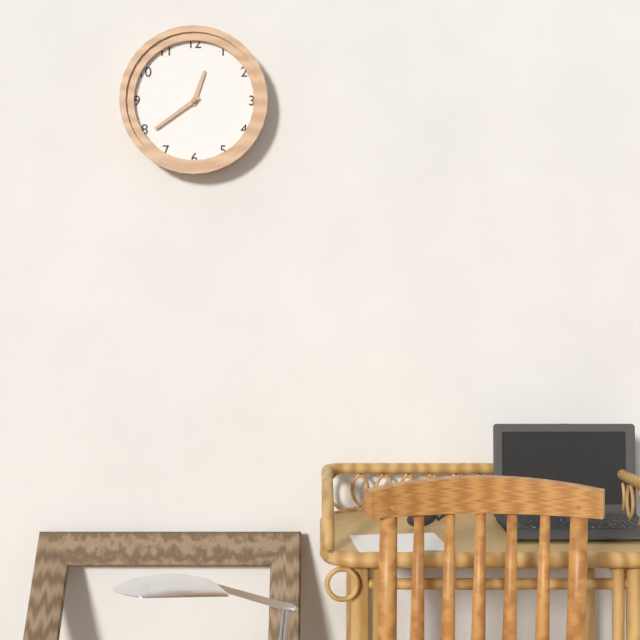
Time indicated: 12:39
